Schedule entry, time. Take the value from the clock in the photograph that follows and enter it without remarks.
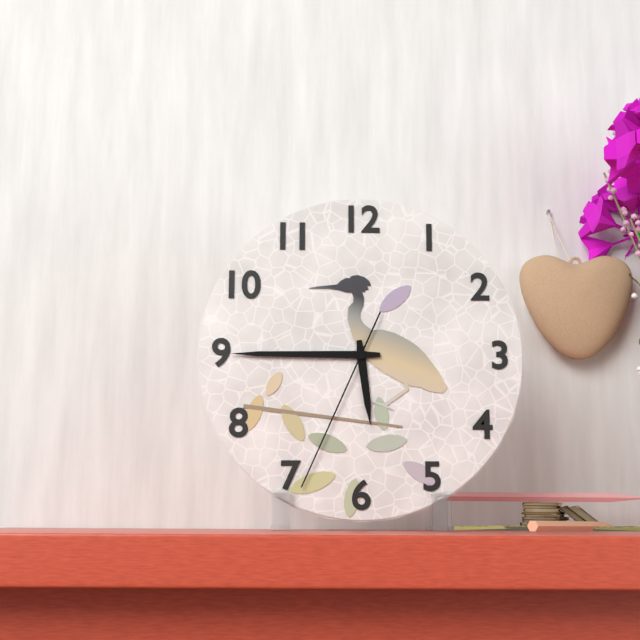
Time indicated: 5:45:34
